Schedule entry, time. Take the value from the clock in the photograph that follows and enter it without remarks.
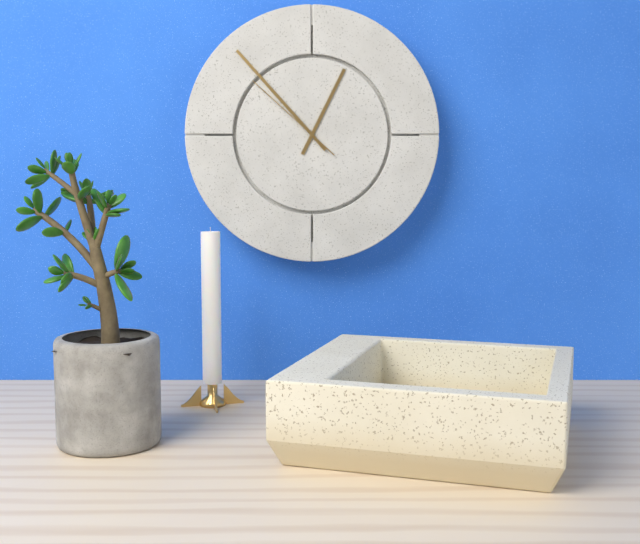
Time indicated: 12:53:52
